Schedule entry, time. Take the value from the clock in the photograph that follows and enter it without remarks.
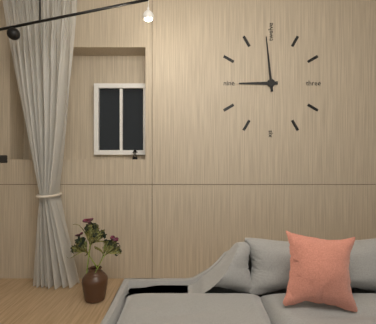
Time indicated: 8:59
